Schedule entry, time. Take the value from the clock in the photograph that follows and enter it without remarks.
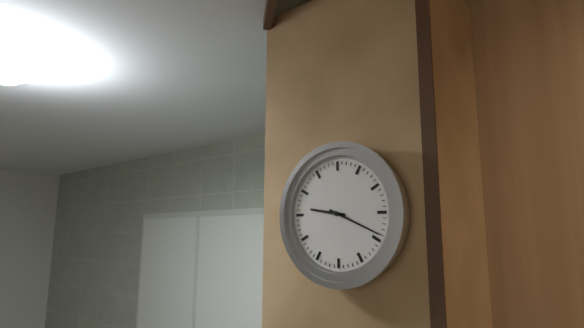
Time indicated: 9:19
